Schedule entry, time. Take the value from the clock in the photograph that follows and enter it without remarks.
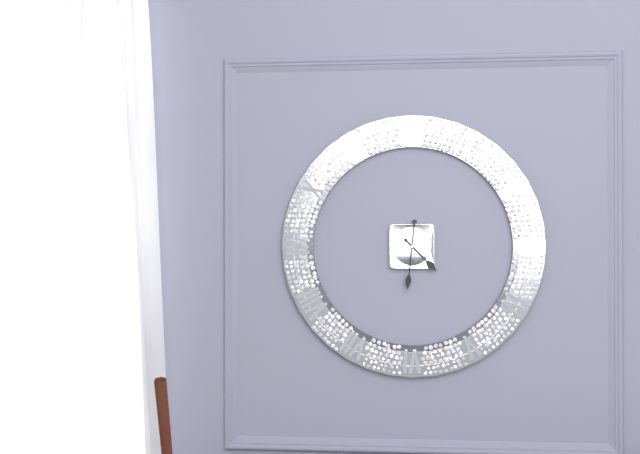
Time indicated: 4:31
